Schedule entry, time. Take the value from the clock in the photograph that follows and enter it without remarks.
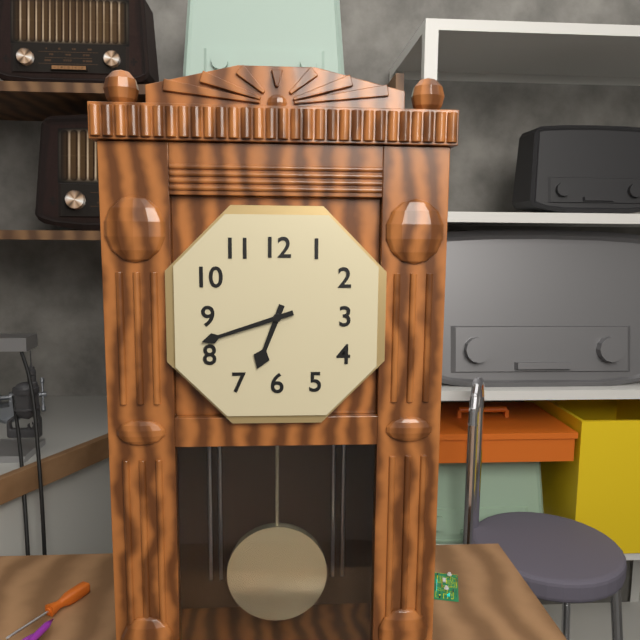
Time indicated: 6:42
